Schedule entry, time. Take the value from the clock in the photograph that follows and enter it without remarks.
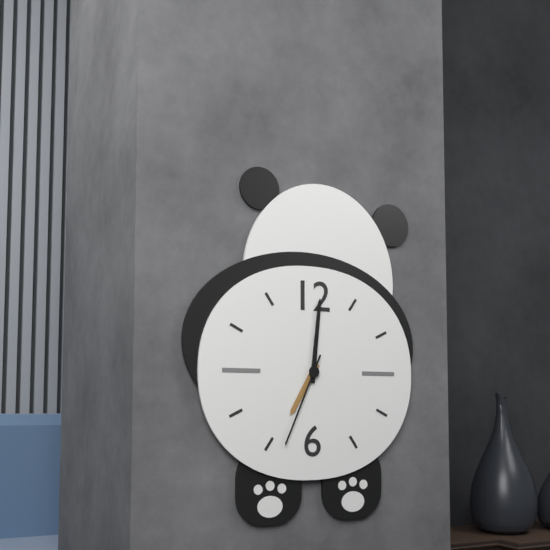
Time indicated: 7:01:34
